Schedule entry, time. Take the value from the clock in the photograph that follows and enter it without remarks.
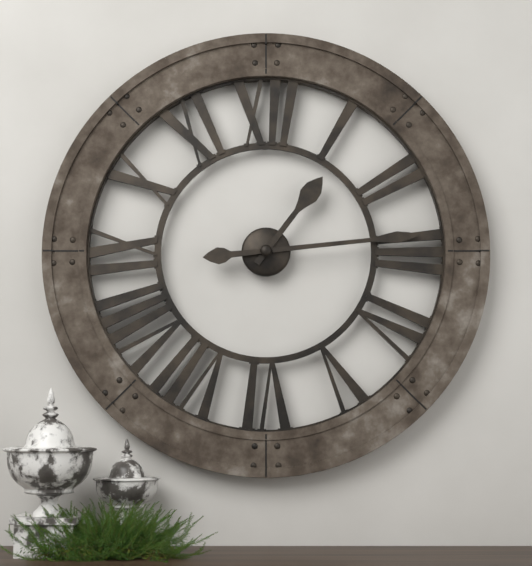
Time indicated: 1:14
